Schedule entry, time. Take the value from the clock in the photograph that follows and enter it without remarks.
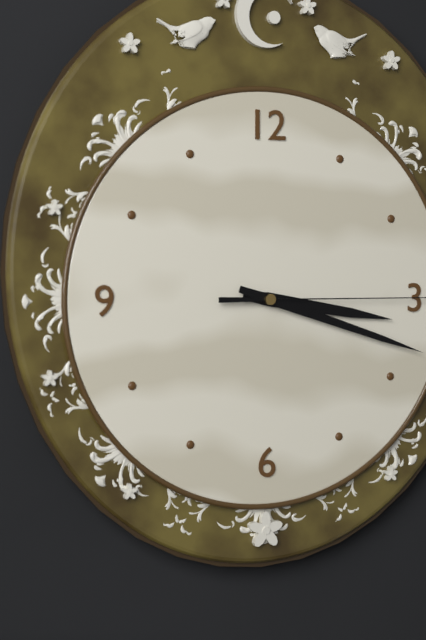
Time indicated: 3:18
